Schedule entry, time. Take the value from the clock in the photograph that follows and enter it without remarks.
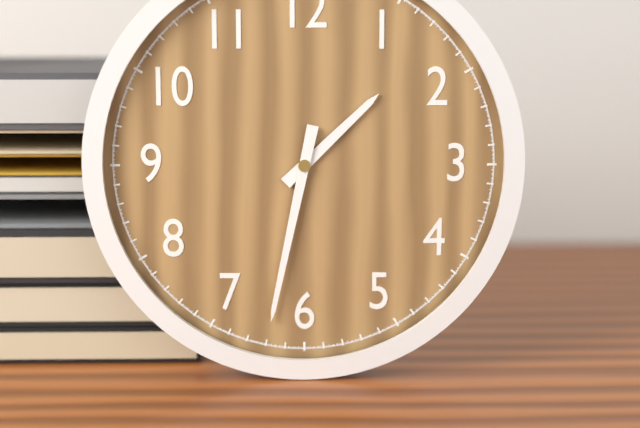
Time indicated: 1:32
